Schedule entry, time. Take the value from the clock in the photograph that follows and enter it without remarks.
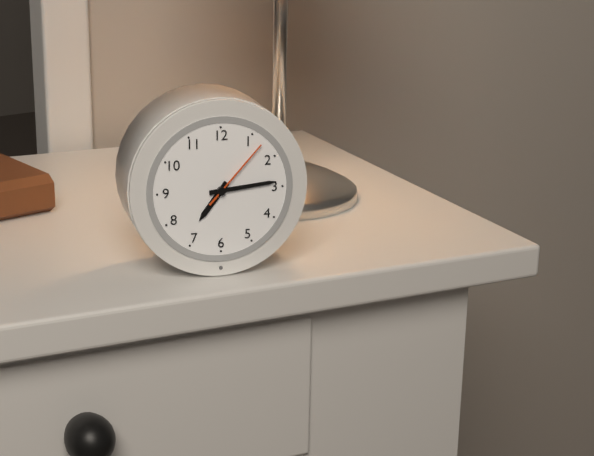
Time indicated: 7:14:07
